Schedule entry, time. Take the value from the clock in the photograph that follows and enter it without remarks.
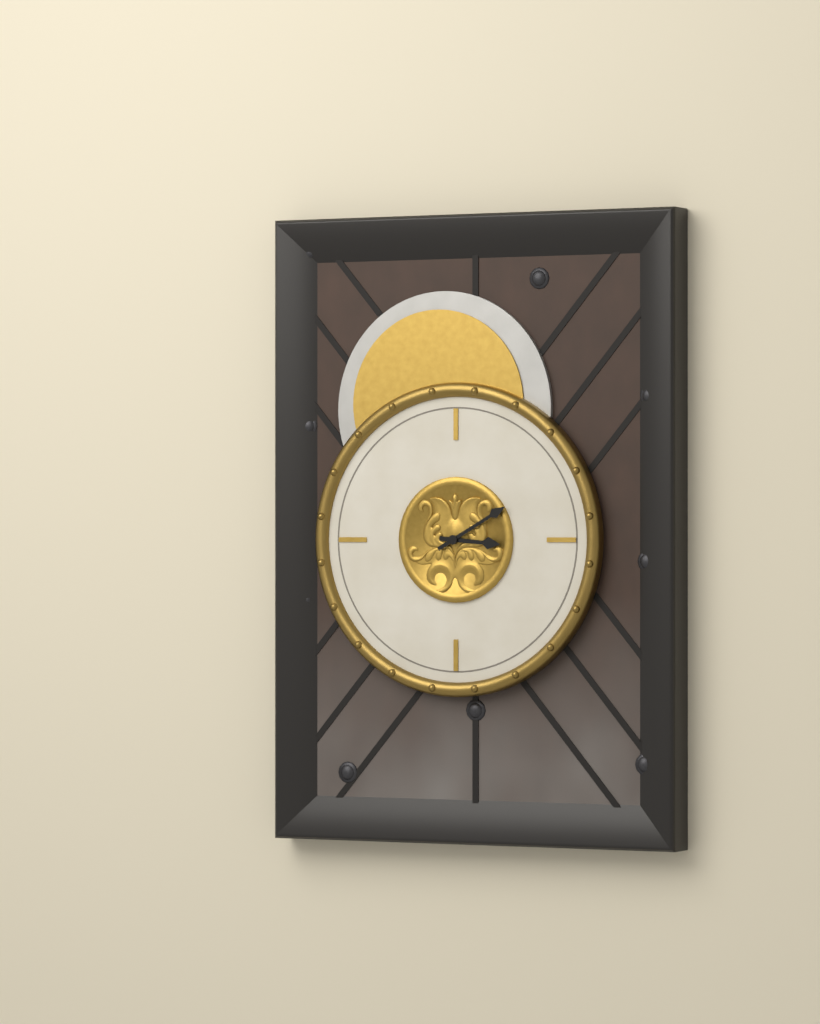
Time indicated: 3:10
